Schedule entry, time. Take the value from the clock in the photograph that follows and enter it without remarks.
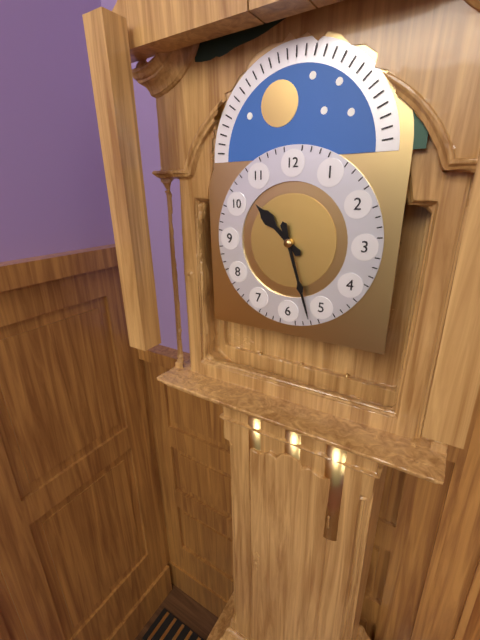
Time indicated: 10:27
